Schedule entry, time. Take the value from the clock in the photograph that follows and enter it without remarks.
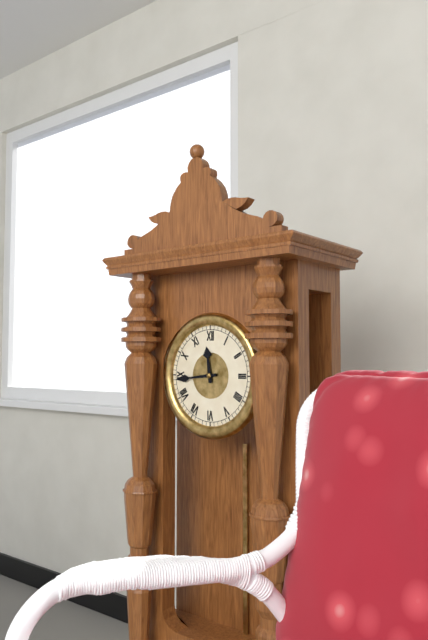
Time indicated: 11:44
